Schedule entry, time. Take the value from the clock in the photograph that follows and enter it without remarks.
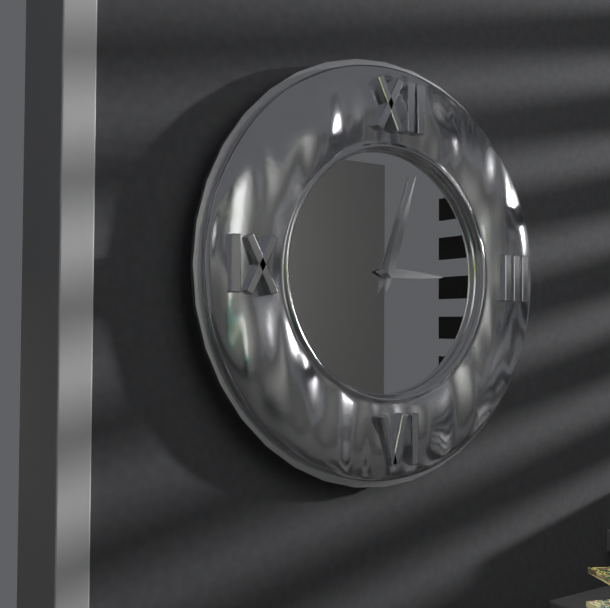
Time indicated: 3:03
